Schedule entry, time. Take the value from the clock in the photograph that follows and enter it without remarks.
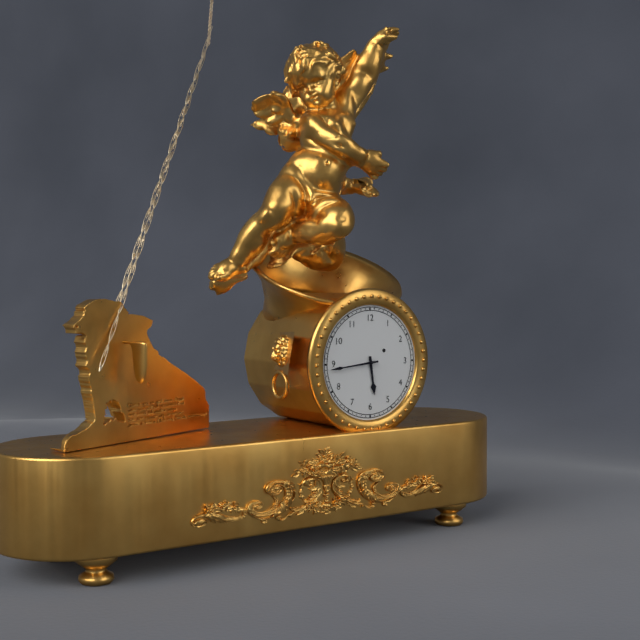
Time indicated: 5:44
